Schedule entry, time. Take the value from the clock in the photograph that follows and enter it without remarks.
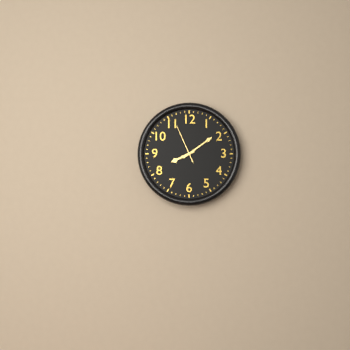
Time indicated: 8:09
